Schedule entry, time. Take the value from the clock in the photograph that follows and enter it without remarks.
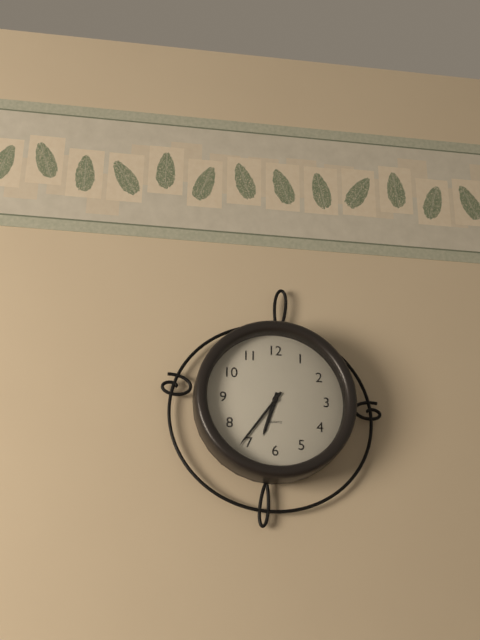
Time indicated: 6:36
